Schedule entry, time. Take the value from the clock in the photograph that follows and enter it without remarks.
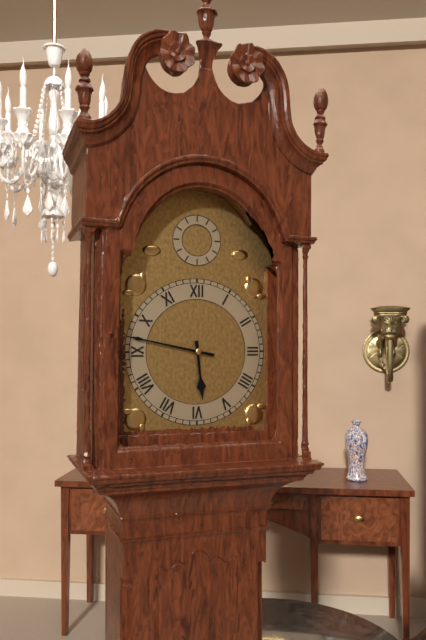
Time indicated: 5:47
